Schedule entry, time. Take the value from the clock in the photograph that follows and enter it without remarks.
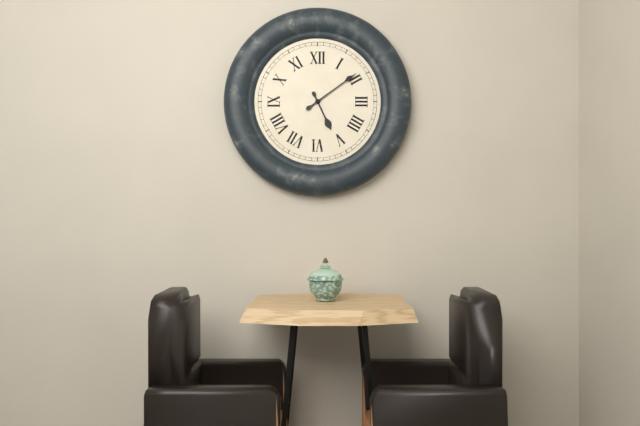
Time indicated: 5:09
